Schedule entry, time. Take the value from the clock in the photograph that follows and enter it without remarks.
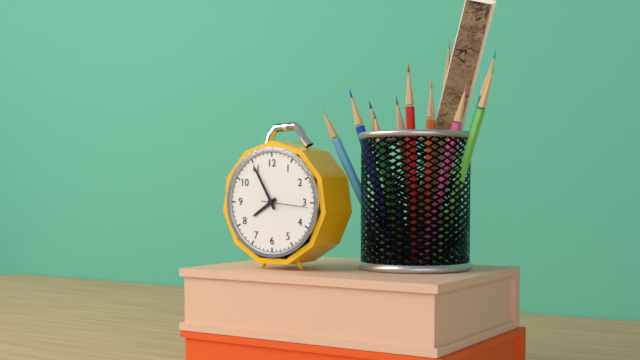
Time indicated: 7:55
